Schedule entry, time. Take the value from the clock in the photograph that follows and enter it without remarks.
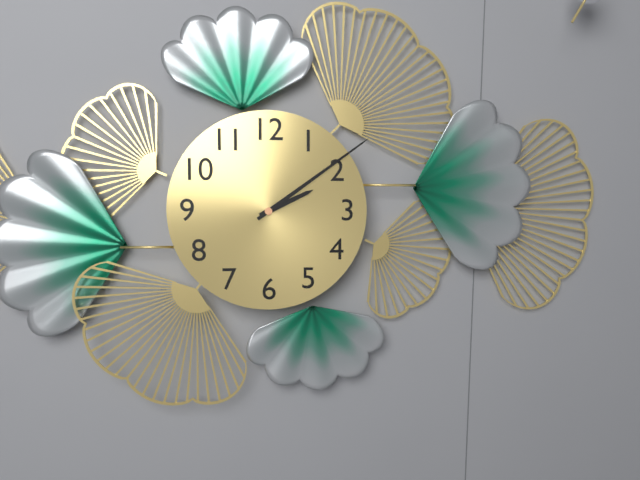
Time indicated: 2:09
